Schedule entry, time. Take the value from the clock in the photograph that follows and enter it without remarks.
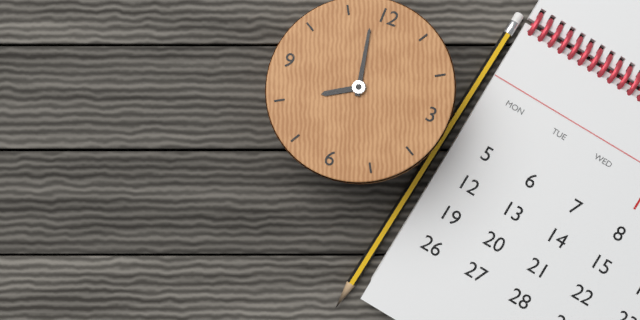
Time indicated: 7:58
